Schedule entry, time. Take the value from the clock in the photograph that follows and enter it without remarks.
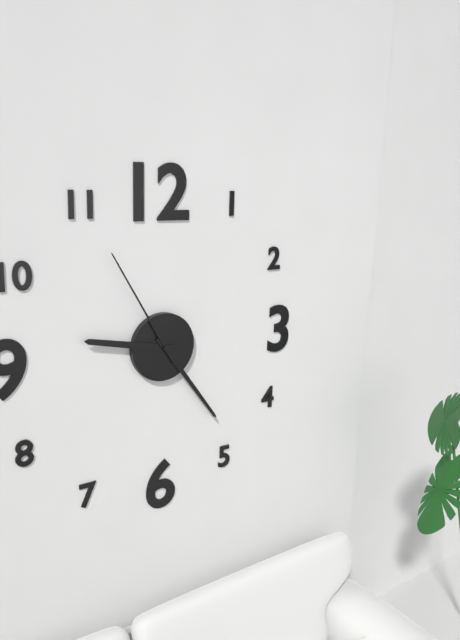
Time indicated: 9:24:55
